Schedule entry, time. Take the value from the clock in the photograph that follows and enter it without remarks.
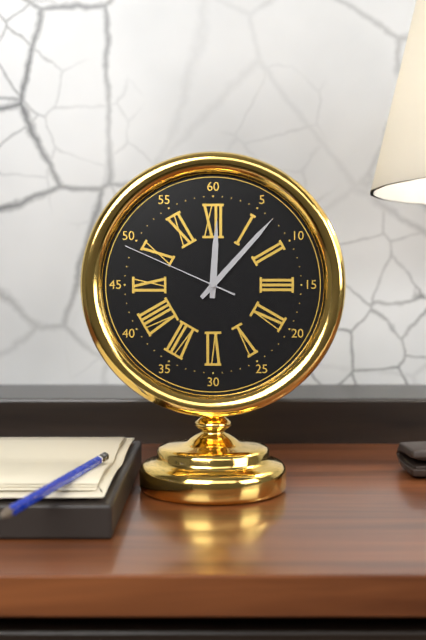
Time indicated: 12:07:49
